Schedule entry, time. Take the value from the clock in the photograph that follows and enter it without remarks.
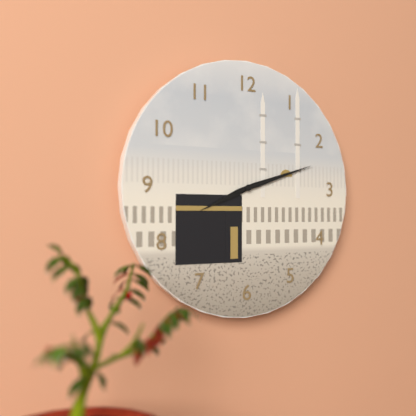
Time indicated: 8:12
